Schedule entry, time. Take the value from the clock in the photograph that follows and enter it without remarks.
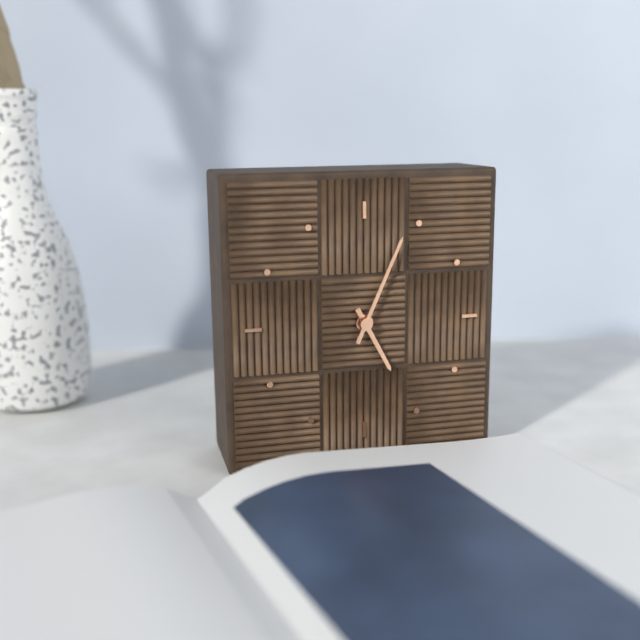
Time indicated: 5:04
